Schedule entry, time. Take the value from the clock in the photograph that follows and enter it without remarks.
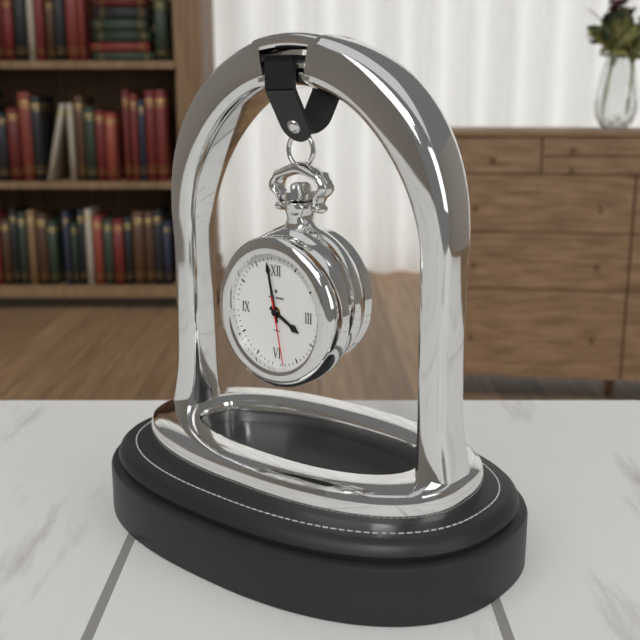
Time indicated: 3:58:28
